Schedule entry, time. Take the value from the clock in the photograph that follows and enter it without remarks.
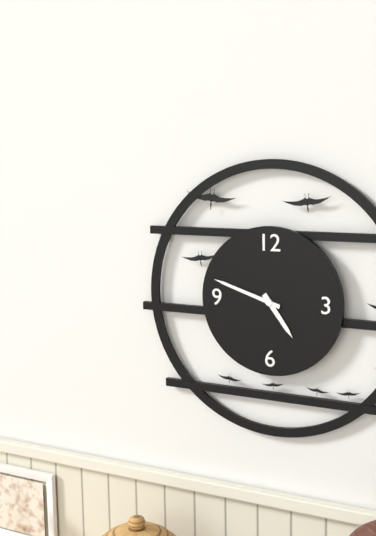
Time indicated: 4:48
